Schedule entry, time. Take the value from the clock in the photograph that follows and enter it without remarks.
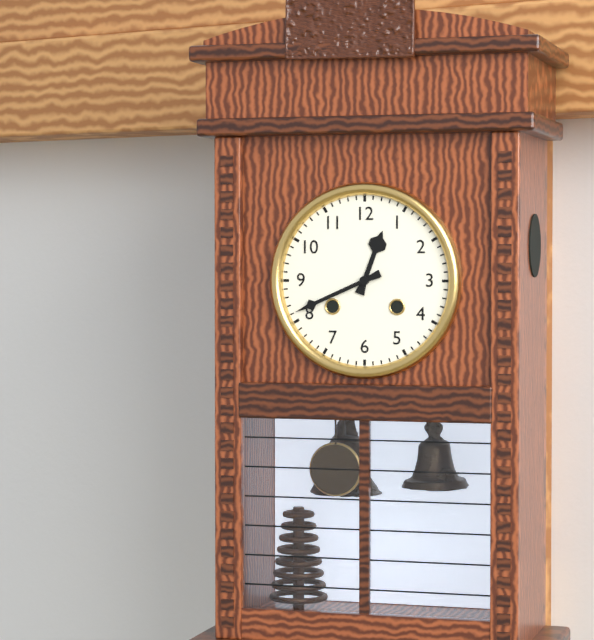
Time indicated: 12:41
